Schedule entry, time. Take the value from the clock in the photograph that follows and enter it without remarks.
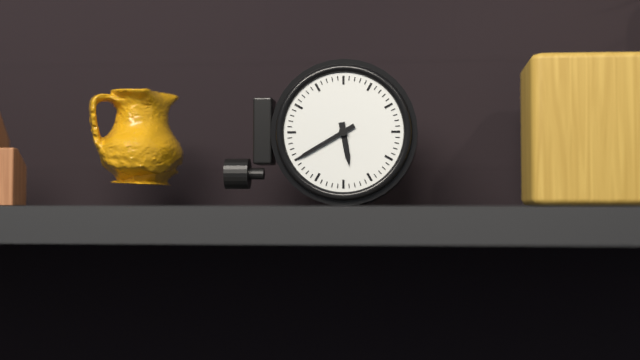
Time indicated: 5:40
